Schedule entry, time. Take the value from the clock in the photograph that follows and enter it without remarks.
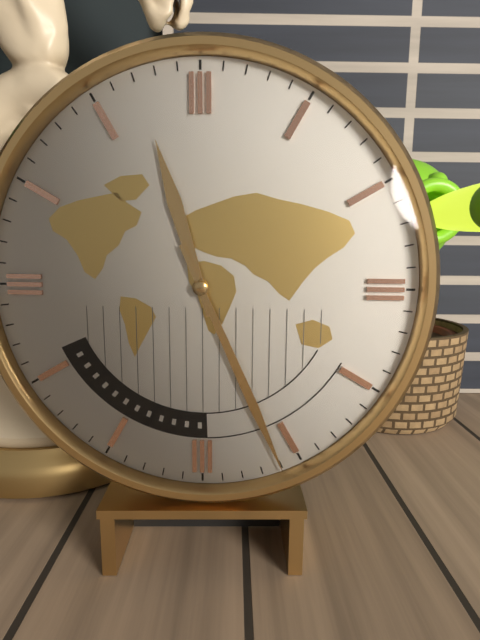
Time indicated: 11:26
